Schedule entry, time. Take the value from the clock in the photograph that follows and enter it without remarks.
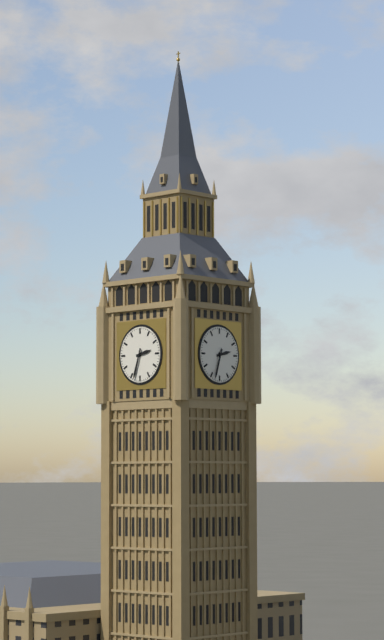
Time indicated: 2:33
